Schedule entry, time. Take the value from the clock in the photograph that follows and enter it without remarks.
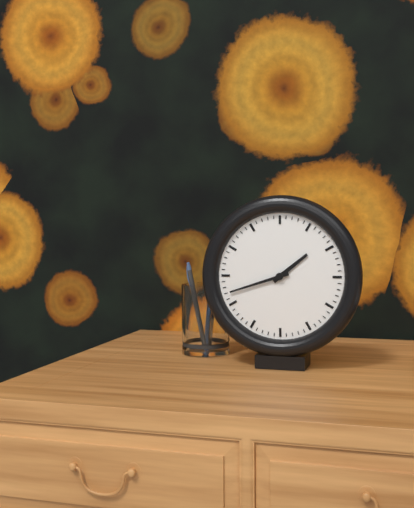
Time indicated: 1:42
